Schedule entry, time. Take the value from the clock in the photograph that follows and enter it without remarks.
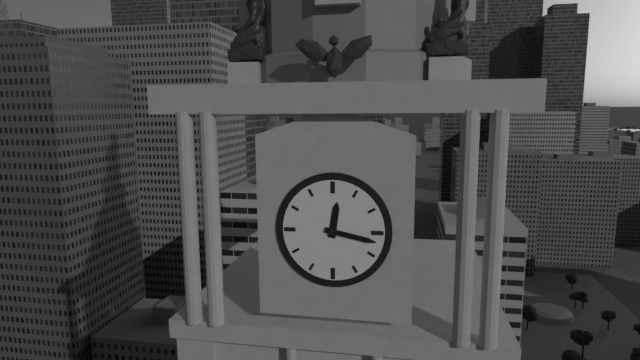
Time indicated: 12:17
